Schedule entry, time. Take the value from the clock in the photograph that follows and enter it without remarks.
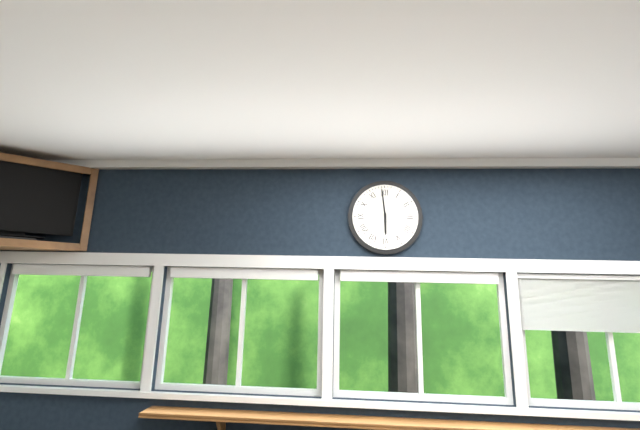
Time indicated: 5:59
